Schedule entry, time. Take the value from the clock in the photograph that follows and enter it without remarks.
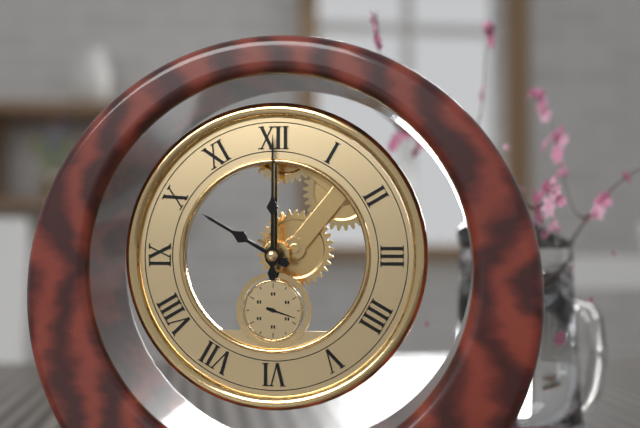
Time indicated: 10:00
